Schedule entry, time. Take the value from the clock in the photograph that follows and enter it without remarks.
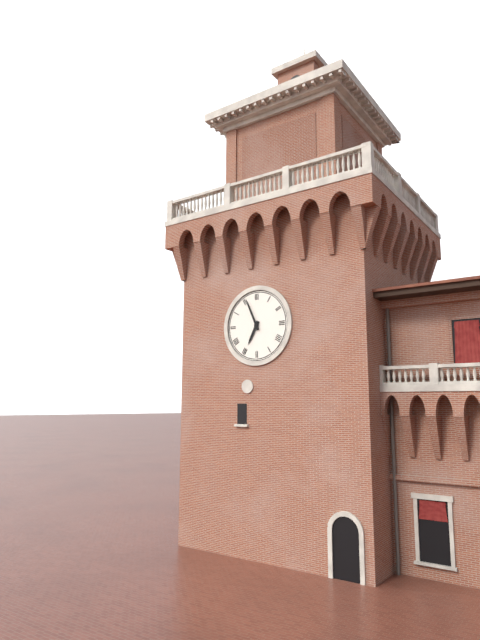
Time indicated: 6:56
